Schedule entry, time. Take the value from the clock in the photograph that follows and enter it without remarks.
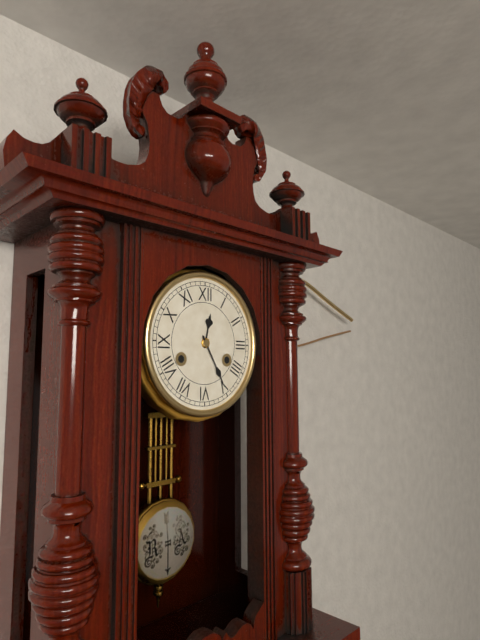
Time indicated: 12:25
